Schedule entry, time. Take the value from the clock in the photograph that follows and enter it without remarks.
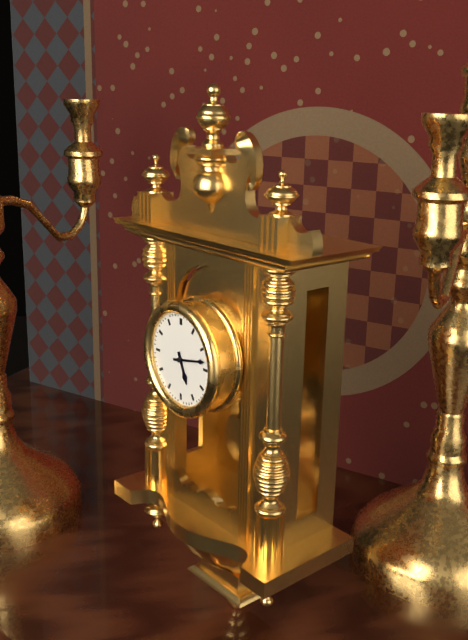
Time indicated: 5:13
